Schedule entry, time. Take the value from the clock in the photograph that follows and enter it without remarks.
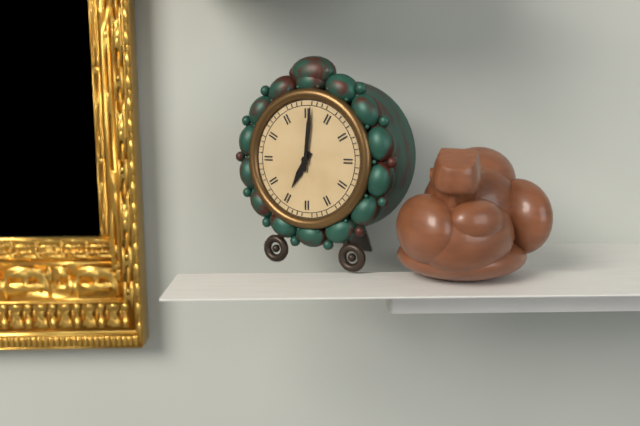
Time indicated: 7:01
